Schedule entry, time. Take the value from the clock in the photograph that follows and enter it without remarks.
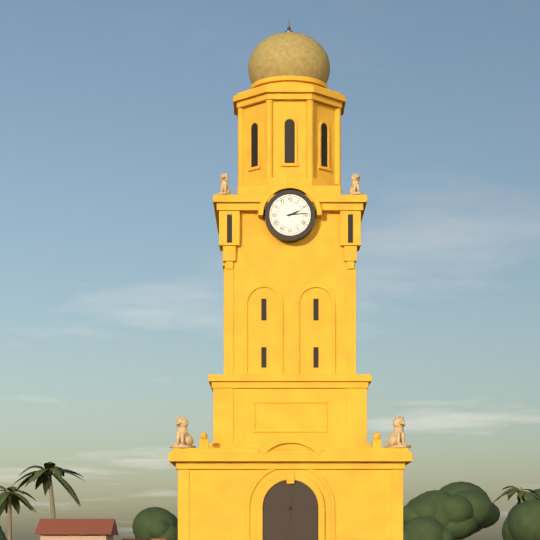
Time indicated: 2:14
